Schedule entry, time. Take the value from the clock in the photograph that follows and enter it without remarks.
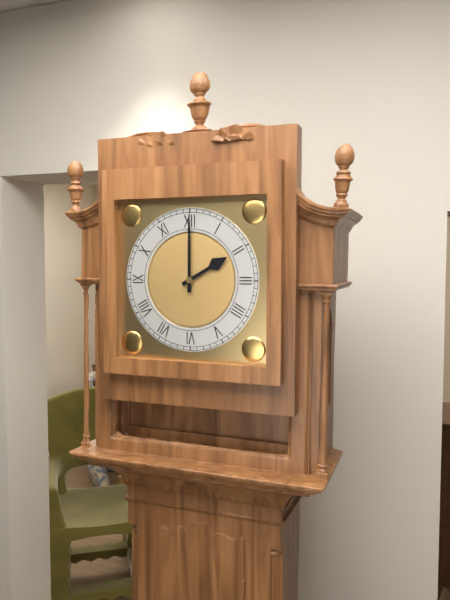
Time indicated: 2:00
